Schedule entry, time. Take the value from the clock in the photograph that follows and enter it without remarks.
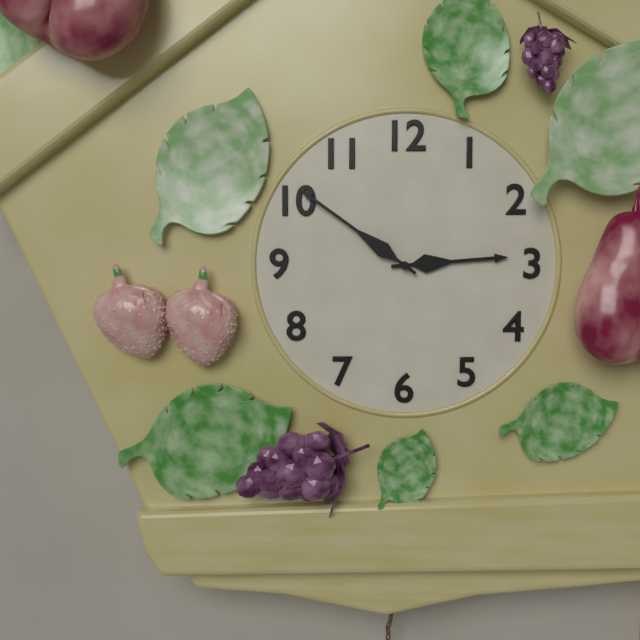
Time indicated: 2:51
